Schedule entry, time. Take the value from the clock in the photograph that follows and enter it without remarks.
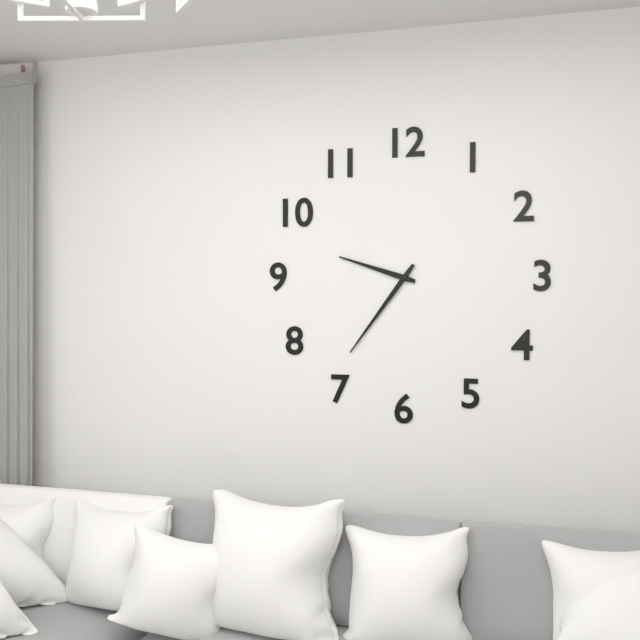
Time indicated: 9:36
